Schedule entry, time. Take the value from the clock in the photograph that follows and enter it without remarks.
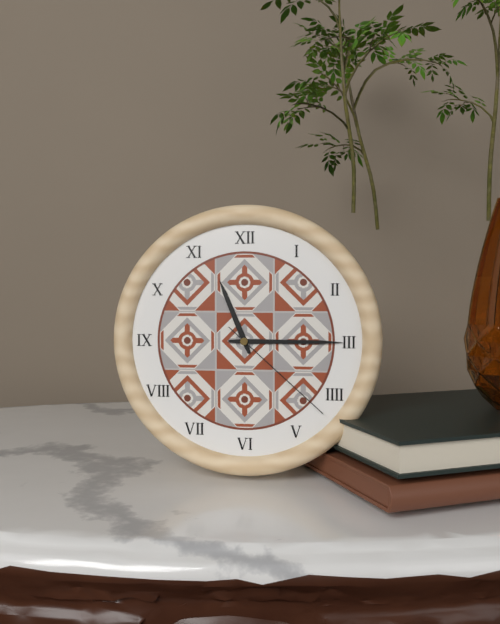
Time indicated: 11:15:22
